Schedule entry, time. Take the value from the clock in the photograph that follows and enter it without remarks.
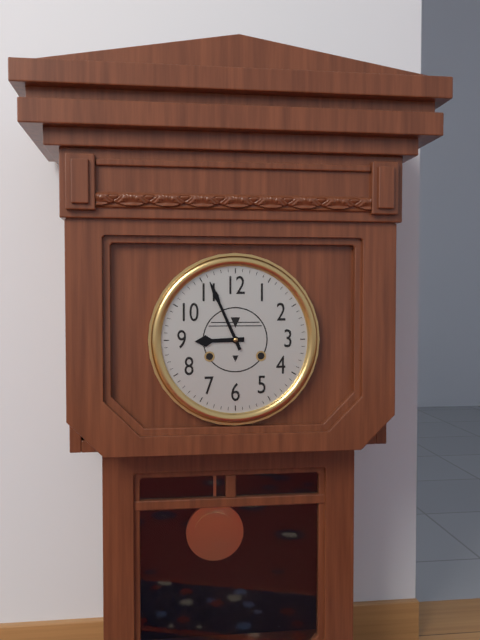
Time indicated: 8:56
